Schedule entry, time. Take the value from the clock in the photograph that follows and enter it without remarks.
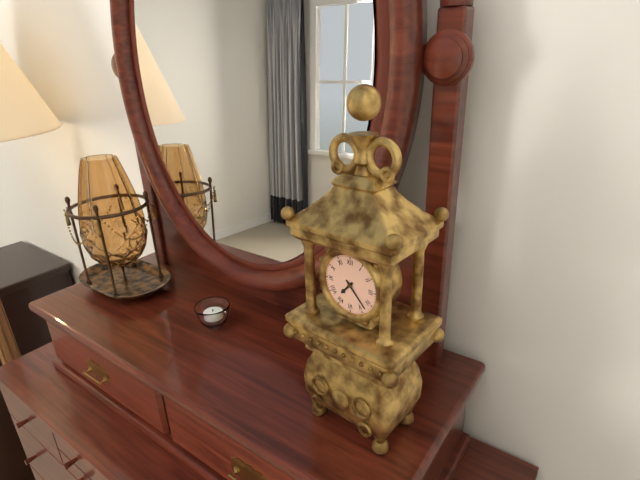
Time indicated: 7:23
